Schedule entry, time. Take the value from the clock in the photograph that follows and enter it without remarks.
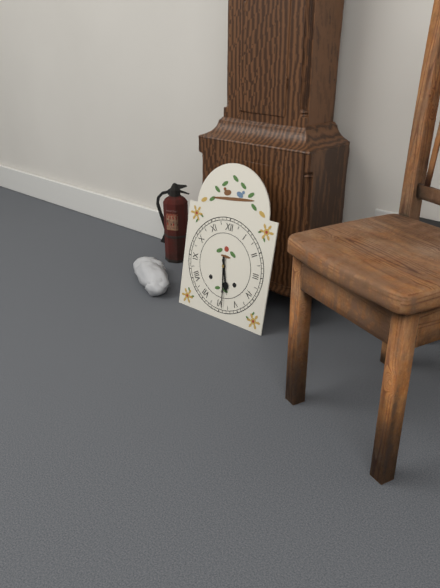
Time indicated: 5:29
